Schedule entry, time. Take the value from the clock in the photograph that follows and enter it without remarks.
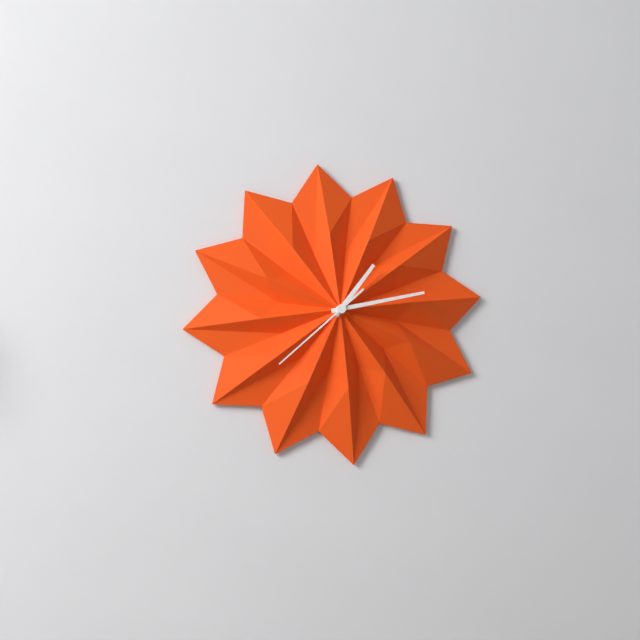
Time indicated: 1:13:38
